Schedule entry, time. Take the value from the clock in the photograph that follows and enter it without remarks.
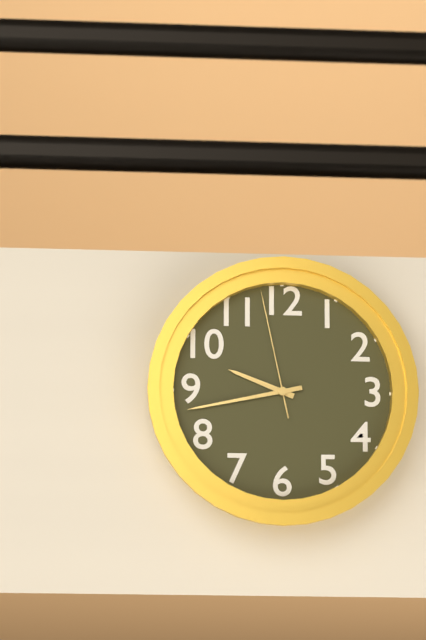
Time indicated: 9:43:58
